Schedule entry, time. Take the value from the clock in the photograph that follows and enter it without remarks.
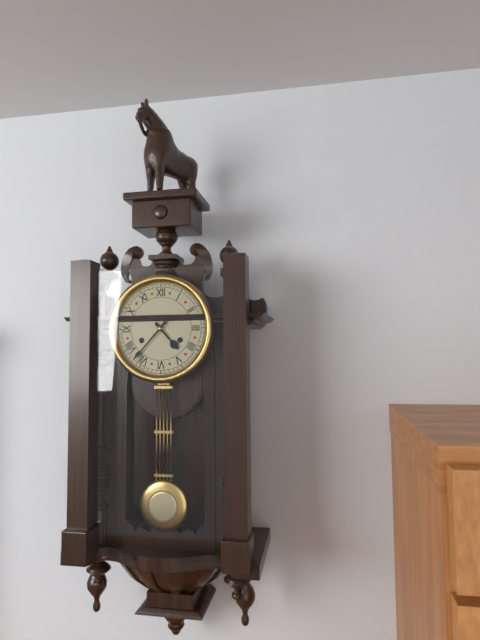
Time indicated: 4:37
